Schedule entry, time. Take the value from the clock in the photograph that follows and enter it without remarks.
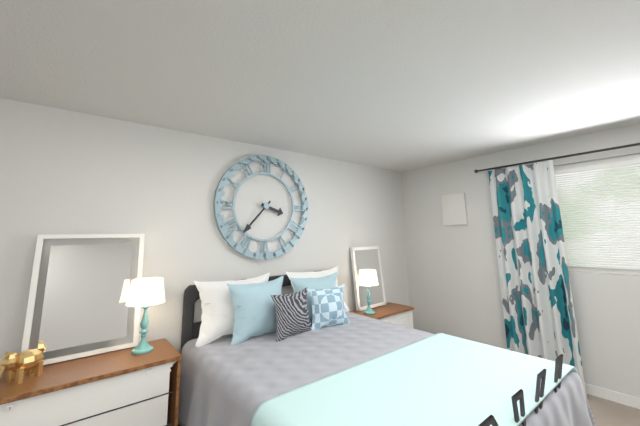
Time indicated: 3:37
